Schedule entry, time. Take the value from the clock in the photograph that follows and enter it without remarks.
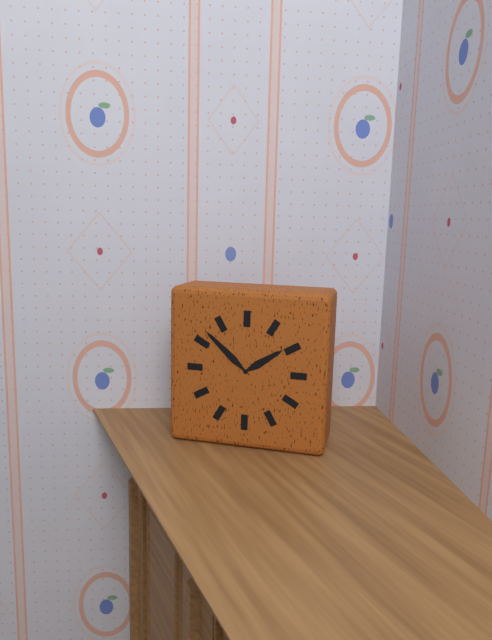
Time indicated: 1:52
